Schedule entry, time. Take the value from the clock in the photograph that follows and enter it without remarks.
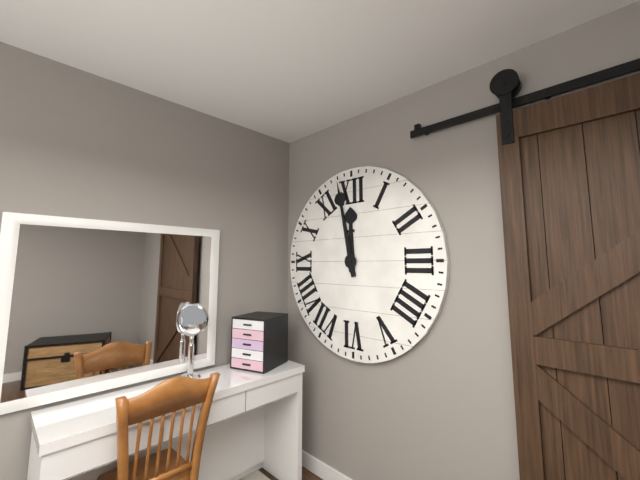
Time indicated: 11:58
